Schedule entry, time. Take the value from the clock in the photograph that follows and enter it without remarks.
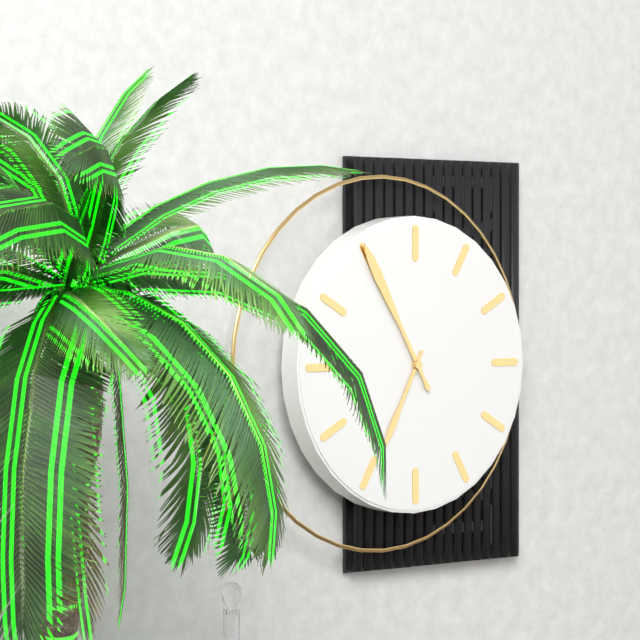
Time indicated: 6:55
